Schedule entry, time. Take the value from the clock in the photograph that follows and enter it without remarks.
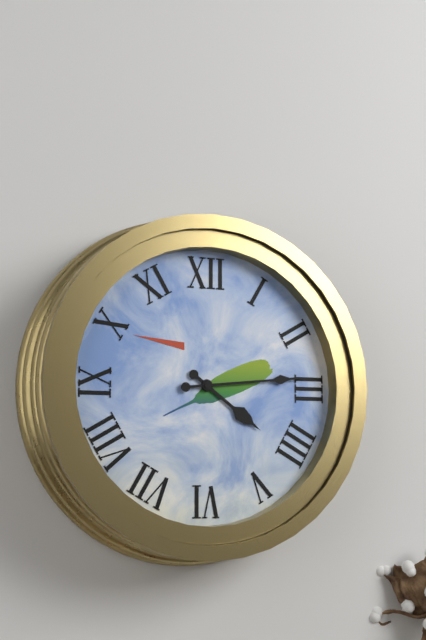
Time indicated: 4:14
